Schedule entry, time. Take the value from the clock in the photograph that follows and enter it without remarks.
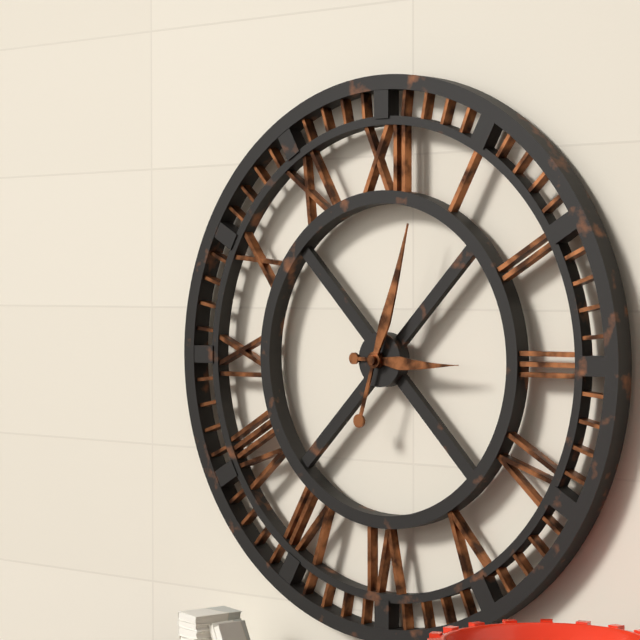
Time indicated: 3:03
